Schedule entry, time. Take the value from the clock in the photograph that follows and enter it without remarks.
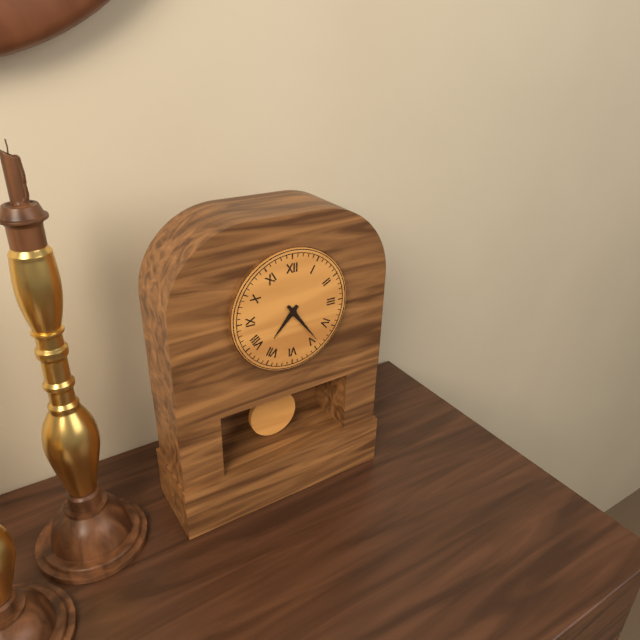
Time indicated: 7:24
